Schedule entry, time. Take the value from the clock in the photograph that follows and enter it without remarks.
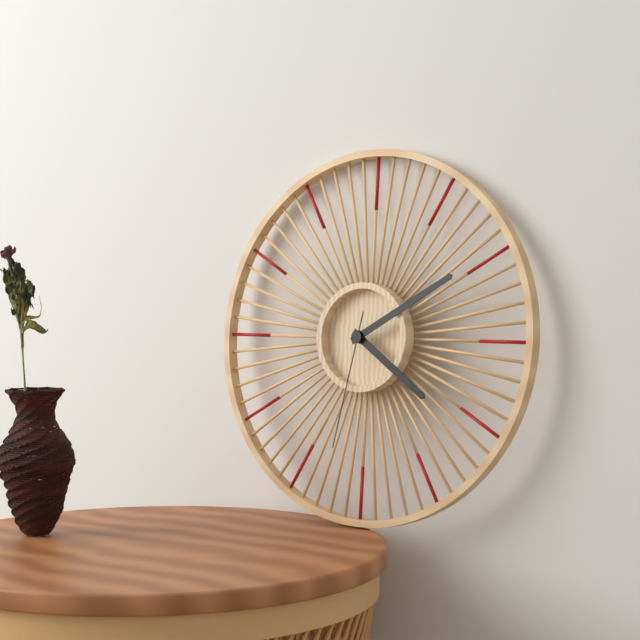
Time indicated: 4:10:32
